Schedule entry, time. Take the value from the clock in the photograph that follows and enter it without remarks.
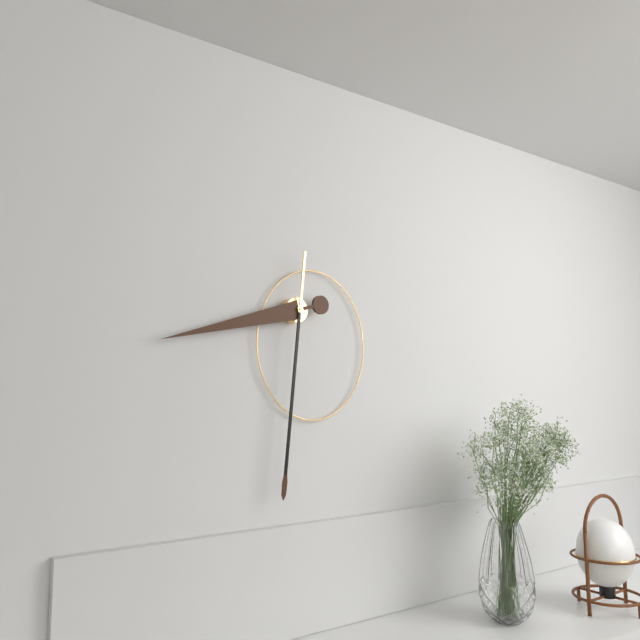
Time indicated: 8:31
